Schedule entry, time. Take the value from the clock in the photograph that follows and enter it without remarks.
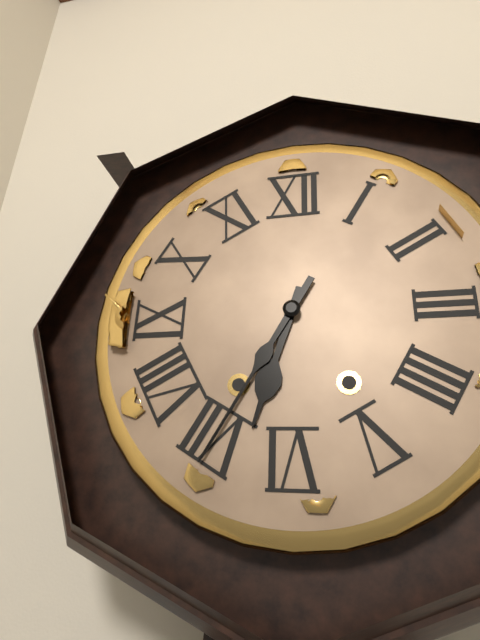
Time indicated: 6:35
